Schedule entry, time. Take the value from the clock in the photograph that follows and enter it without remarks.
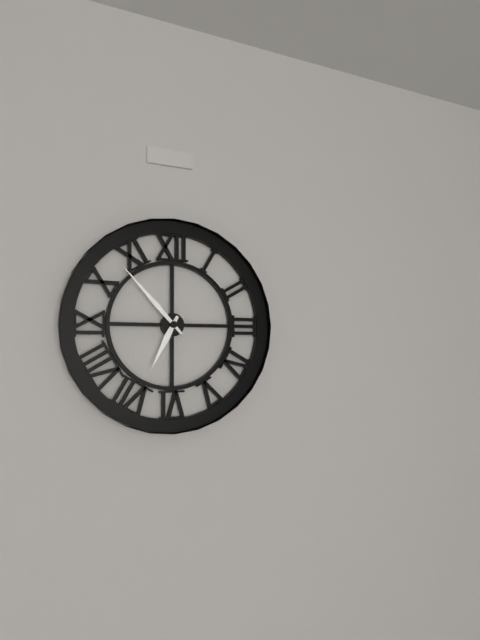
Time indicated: 6:53
